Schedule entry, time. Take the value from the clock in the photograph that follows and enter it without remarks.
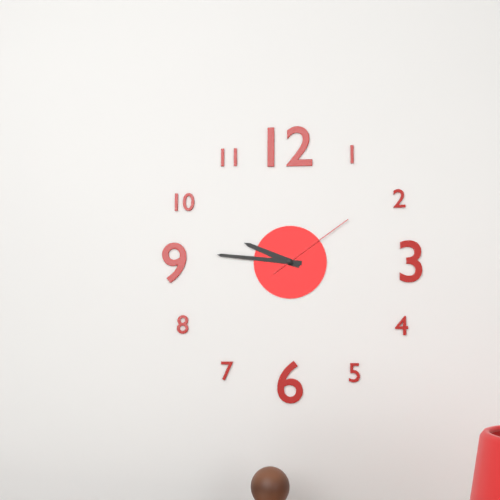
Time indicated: 9:46:09
